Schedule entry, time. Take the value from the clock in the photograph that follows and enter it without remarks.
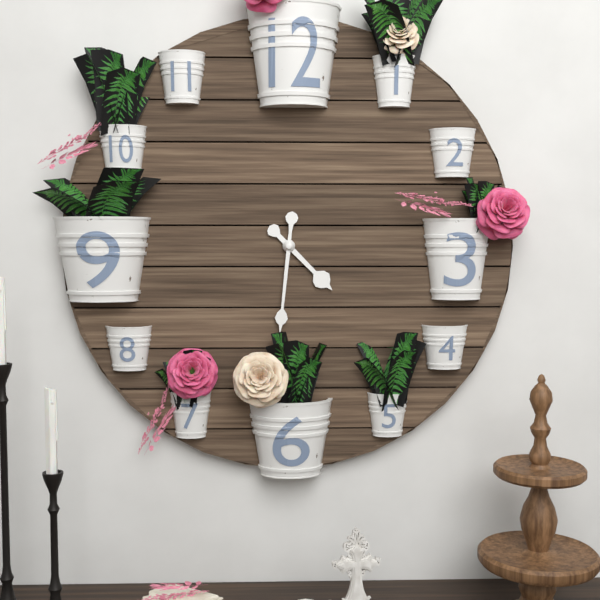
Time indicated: 4:31
